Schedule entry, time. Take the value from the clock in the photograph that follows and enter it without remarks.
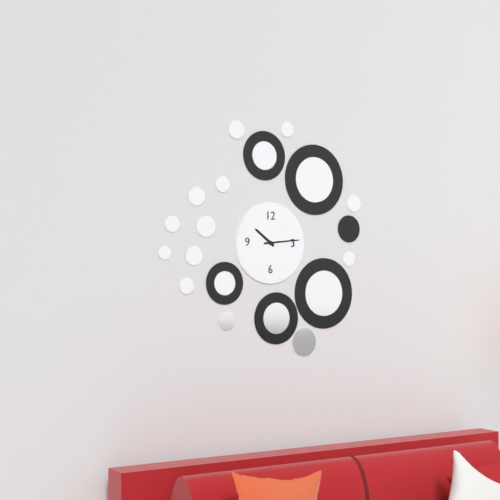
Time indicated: 10:14
